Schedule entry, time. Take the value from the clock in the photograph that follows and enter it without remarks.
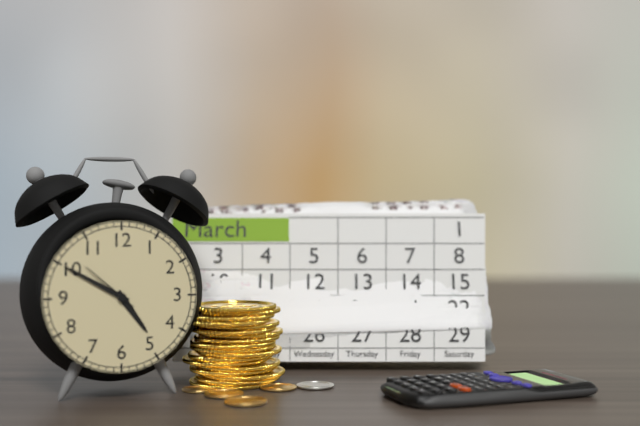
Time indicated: 4:50:52
